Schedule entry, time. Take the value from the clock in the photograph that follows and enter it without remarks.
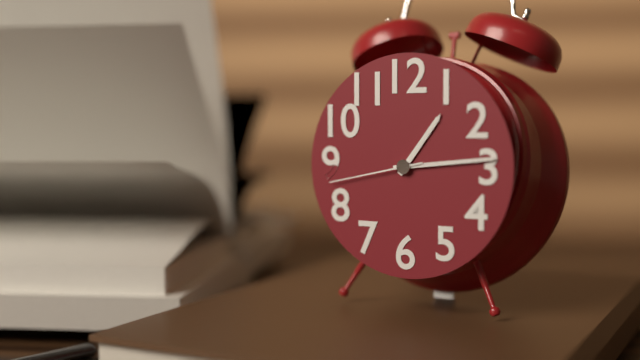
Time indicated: 1:14:43
